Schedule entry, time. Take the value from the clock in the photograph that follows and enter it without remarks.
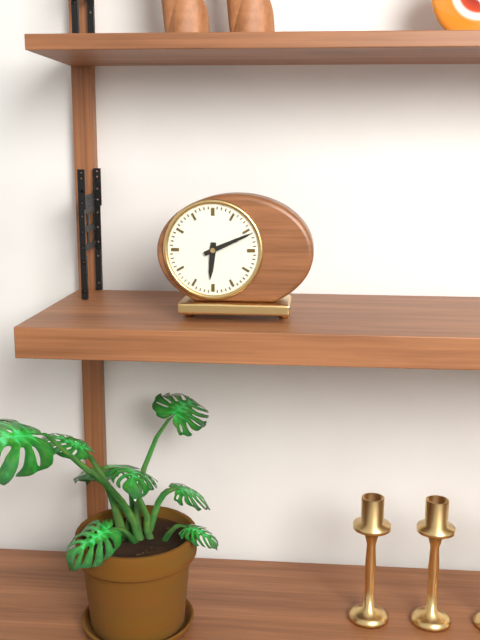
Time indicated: 6:11
